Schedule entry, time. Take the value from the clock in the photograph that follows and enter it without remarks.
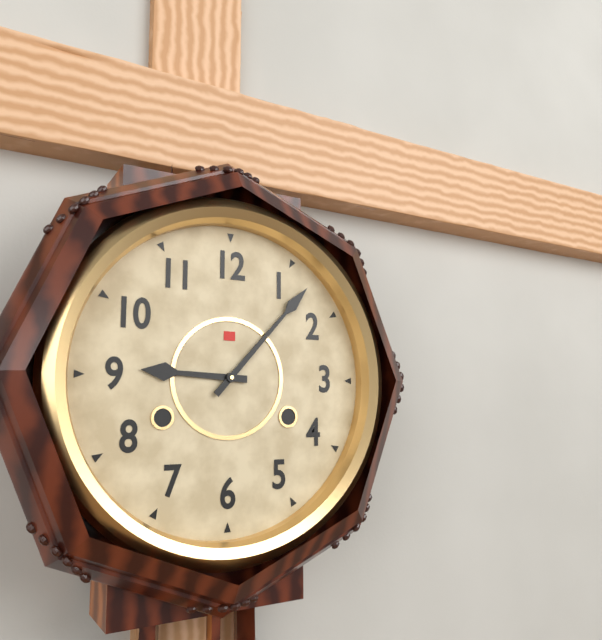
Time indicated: 9:07
